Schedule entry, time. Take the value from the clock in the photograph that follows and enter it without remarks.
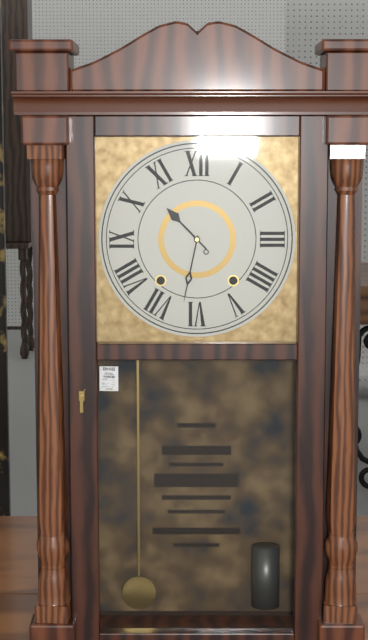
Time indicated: 10:32
